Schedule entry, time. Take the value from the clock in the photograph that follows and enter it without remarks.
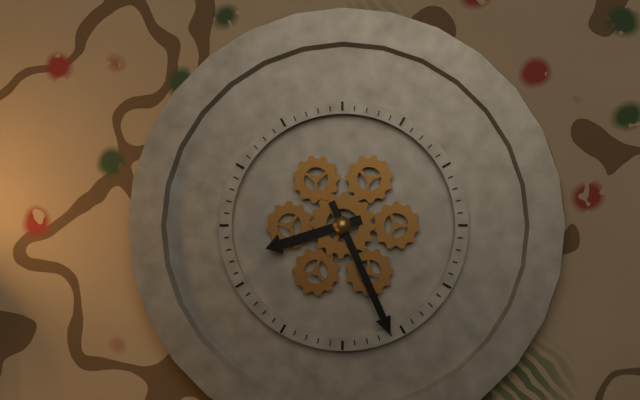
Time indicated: 8:26
